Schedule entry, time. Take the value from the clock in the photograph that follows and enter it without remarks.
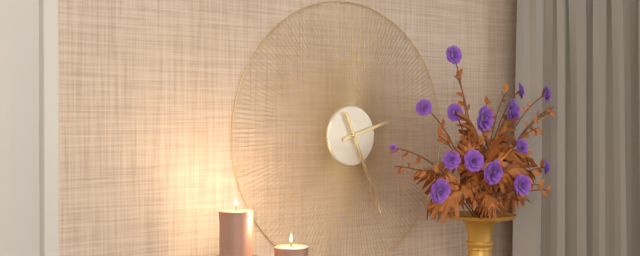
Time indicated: 2:26
